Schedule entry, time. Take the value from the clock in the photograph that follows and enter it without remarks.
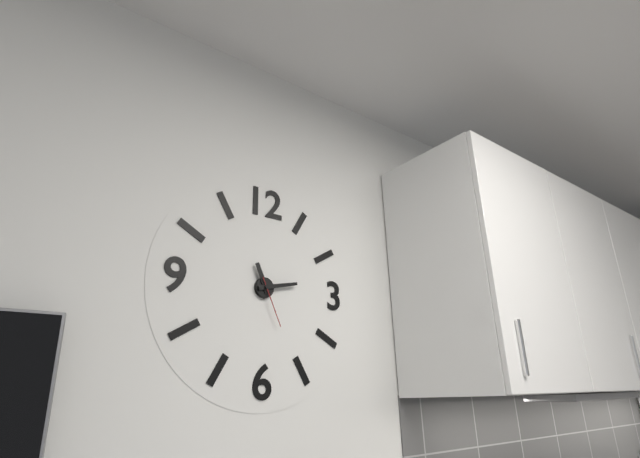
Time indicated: 11:13:26
